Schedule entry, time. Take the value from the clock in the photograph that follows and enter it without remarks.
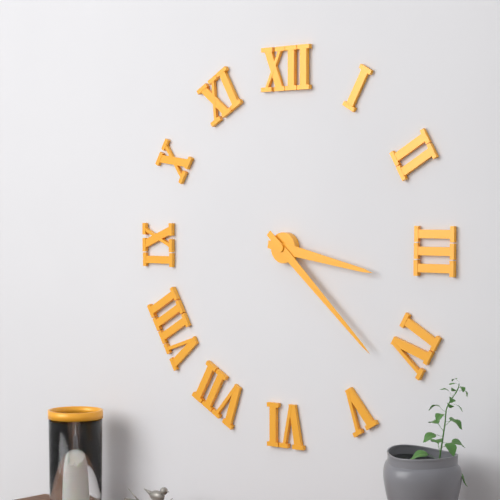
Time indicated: 3:22
